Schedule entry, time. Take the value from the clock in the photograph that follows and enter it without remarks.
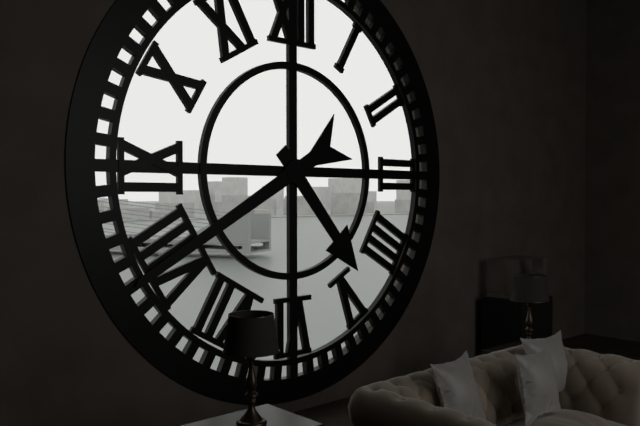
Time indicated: 4:40
